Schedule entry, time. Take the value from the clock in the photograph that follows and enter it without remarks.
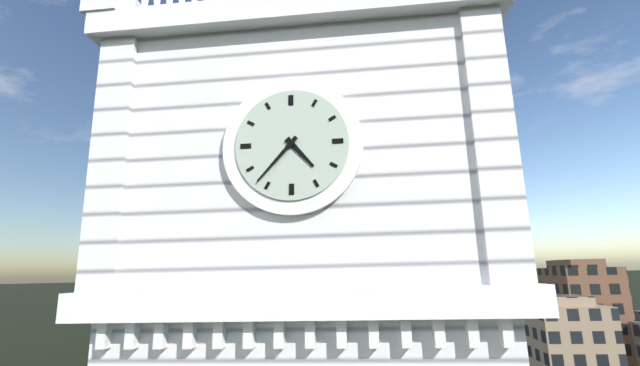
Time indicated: 4:37
